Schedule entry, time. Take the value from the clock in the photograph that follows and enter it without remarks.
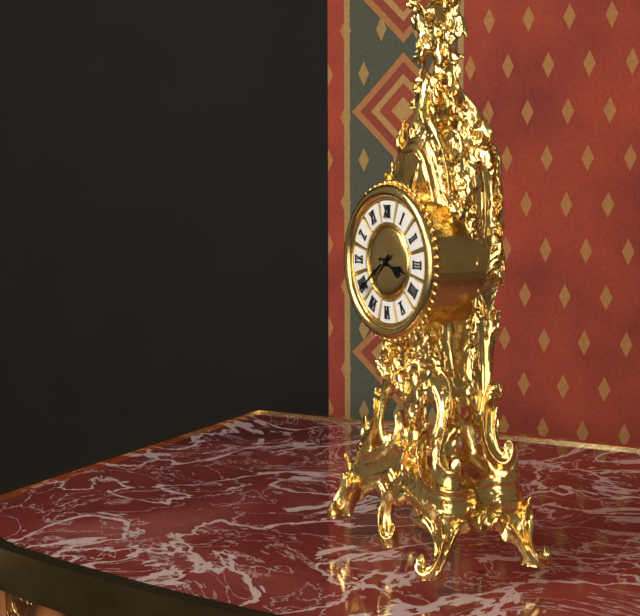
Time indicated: 3:39
